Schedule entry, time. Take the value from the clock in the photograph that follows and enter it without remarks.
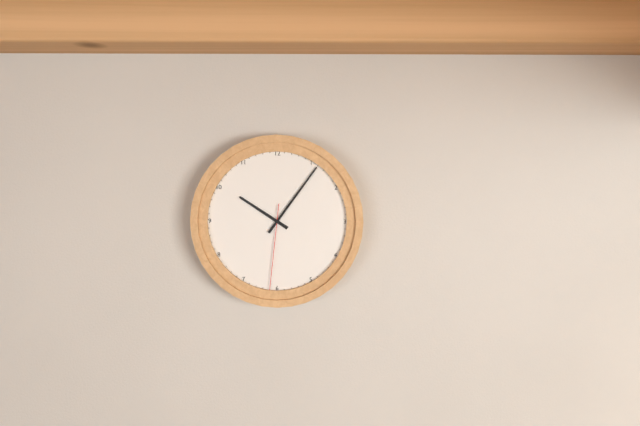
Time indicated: 10:06:31
